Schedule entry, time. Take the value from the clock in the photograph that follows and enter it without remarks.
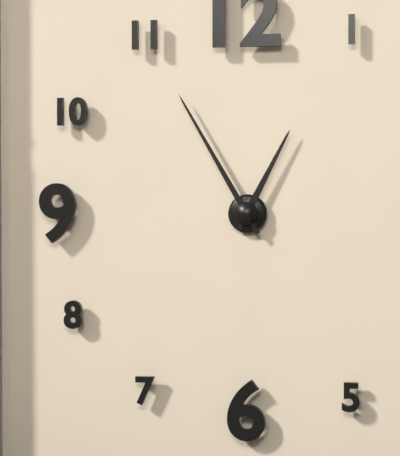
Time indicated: 12:55
